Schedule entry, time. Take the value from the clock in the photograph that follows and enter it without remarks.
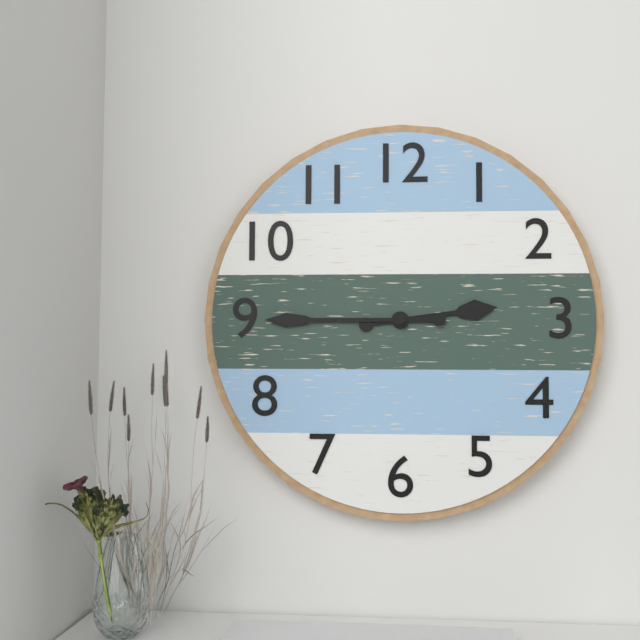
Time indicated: 2:45
